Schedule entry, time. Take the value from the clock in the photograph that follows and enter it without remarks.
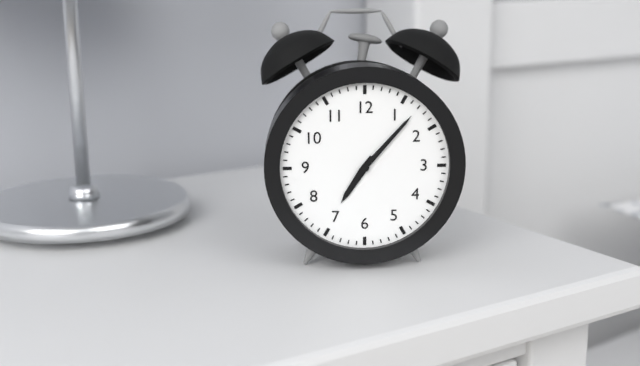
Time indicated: 7:07
